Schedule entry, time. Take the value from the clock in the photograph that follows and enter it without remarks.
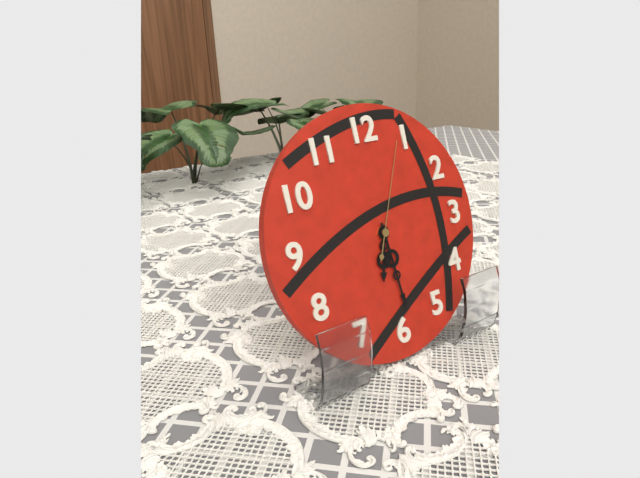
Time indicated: 6:29:04
